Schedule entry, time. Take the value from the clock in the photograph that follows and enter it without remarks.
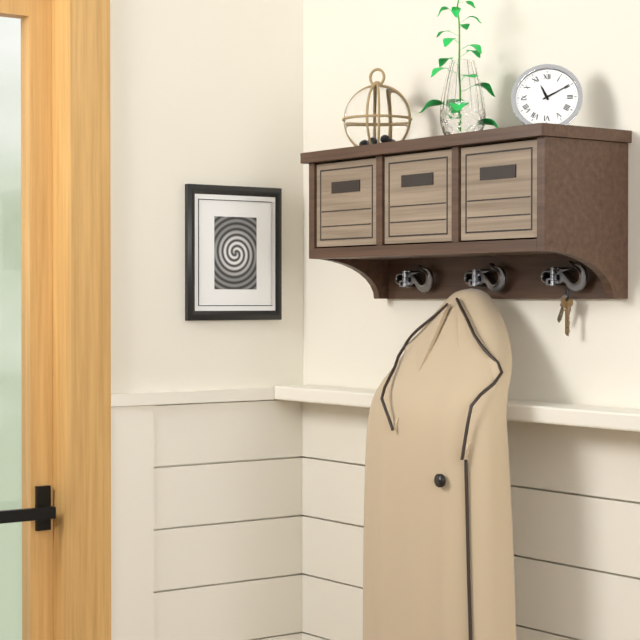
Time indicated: 11:10
